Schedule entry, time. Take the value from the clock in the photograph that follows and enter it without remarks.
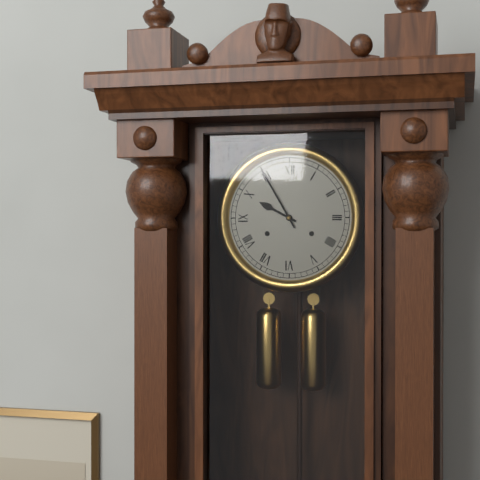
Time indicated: 9:55
